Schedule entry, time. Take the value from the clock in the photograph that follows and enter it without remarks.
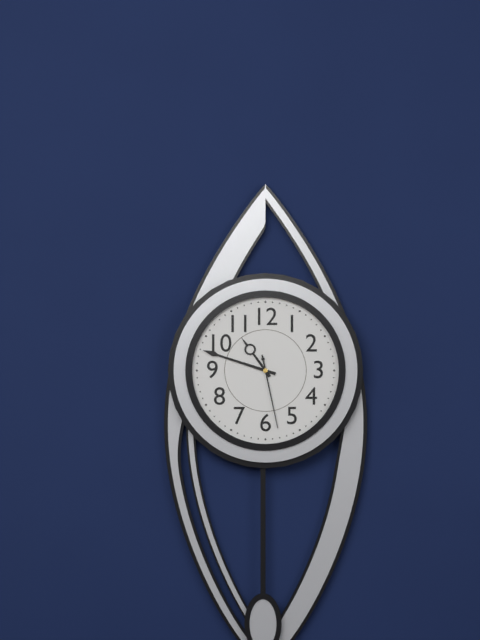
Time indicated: 10:48:28
